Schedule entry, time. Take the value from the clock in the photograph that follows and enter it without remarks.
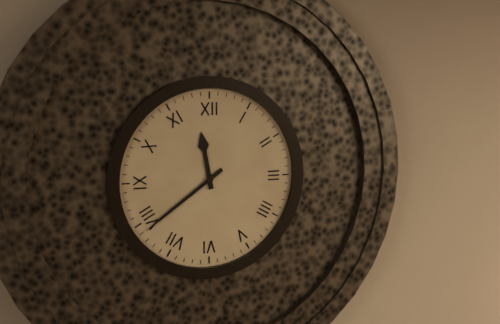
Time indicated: 11:39
